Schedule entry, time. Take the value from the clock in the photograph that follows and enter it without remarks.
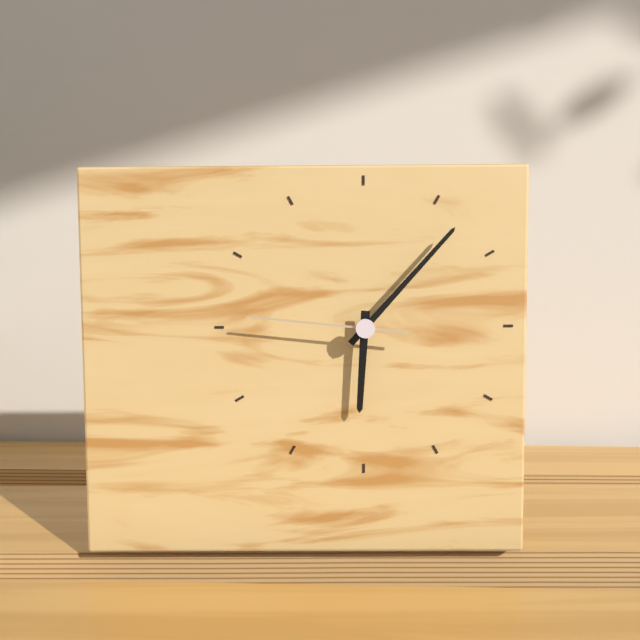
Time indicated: 6:07:46
